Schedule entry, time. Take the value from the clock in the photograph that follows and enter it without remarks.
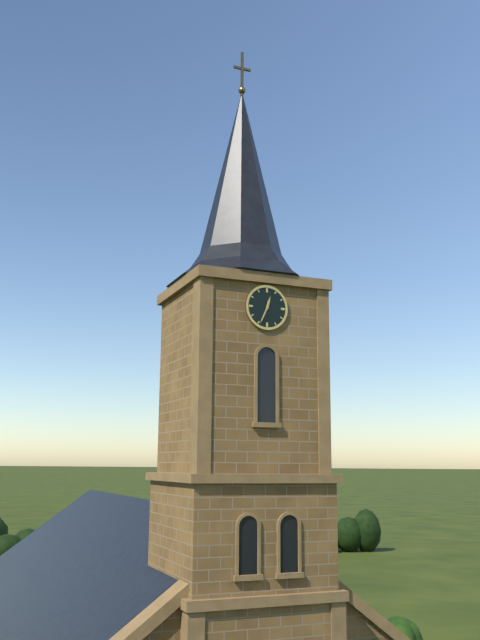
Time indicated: 12:34
